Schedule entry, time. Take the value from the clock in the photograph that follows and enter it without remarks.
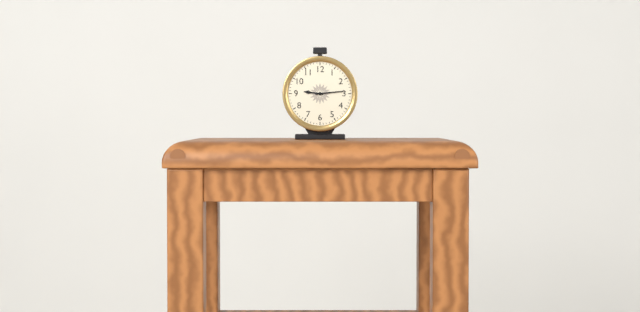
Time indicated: 9:14
